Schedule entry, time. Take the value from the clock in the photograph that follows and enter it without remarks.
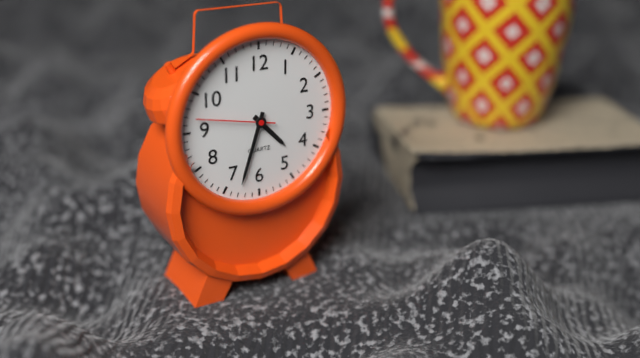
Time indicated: 4:33:47
